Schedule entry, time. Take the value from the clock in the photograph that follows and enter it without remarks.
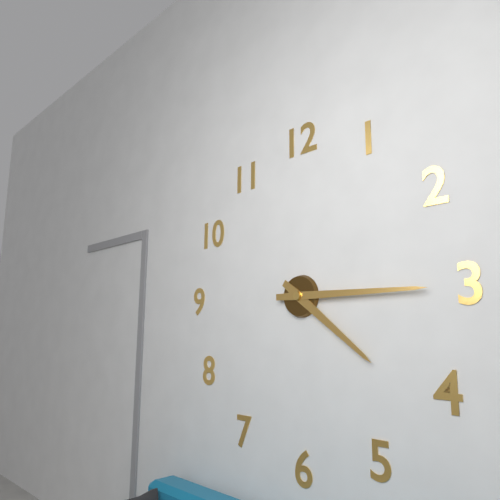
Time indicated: 4:15
